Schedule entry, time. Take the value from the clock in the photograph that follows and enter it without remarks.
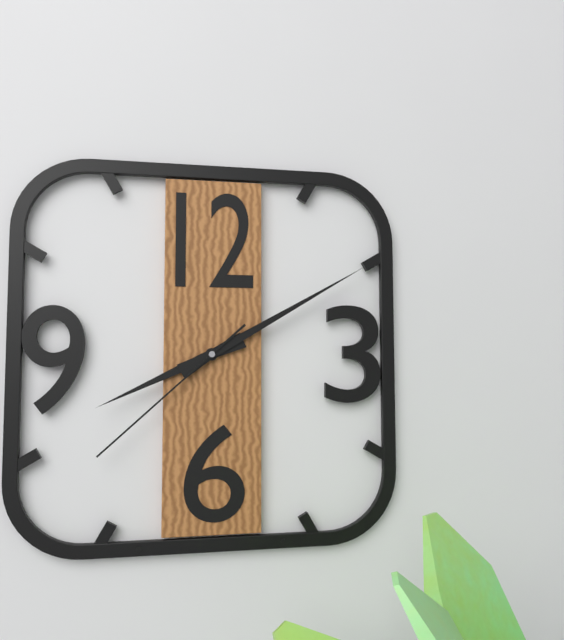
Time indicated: 8:10:38
